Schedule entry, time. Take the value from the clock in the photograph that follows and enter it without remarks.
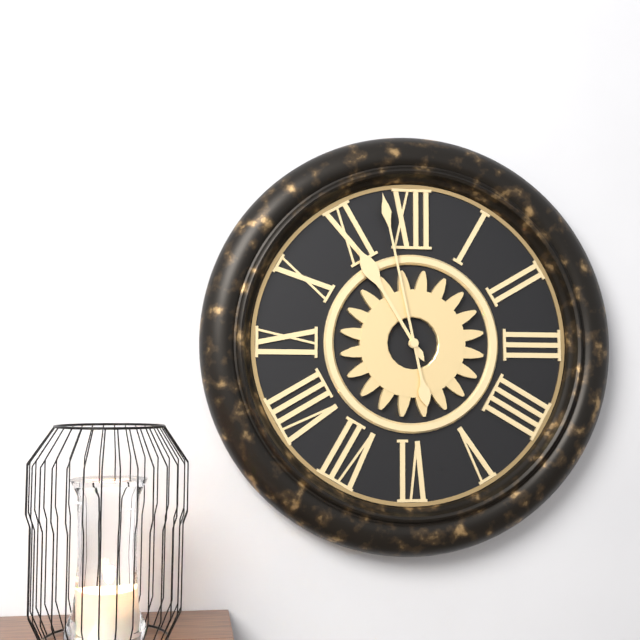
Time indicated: 10:58
